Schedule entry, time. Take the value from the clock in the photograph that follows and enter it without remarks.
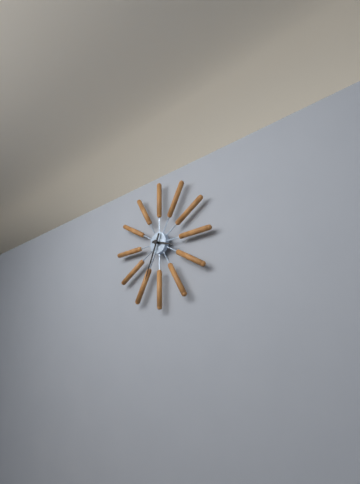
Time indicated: 3:34
